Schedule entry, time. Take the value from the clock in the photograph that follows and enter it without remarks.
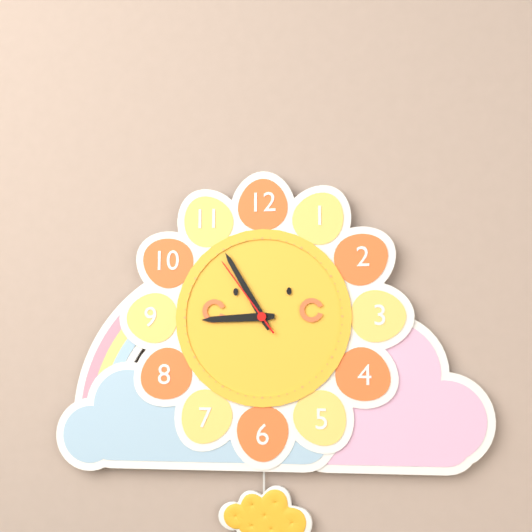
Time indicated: 8:55:54
